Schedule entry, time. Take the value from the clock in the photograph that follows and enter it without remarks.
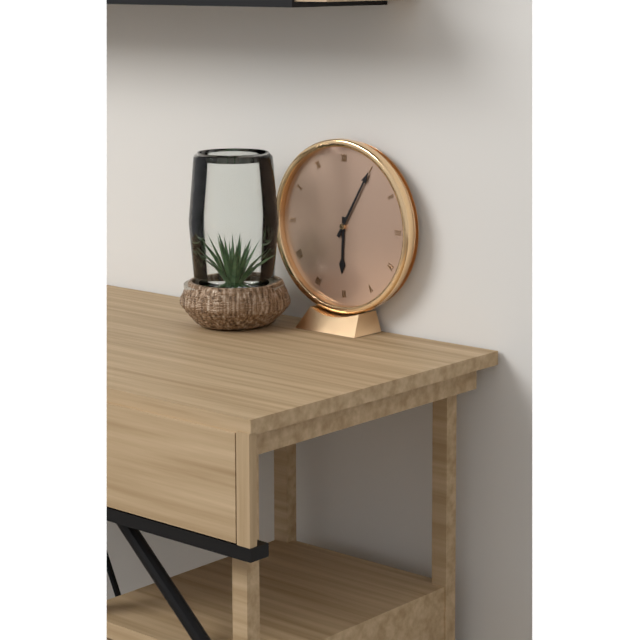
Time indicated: 6:05
